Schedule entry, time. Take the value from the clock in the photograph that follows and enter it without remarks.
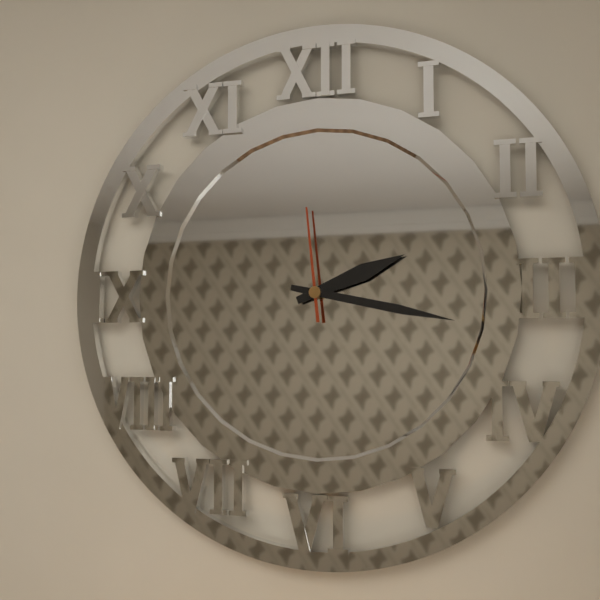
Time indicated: 2:17:59
